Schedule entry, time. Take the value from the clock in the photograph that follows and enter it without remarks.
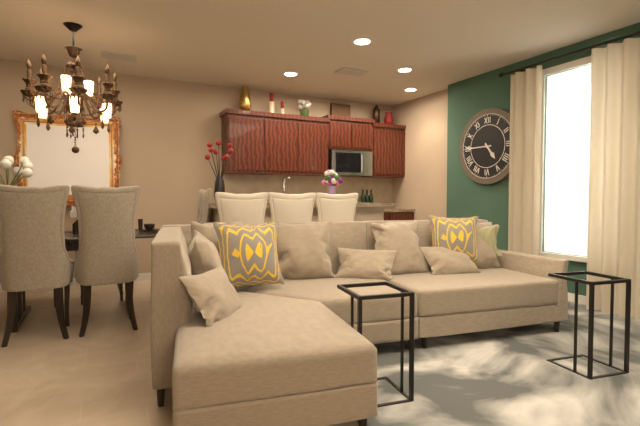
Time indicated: 4:45
